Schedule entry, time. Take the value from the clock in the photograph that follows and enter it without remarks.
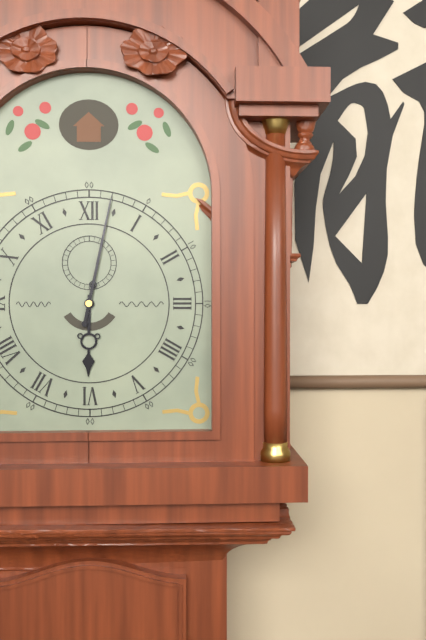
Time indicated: 6:02
